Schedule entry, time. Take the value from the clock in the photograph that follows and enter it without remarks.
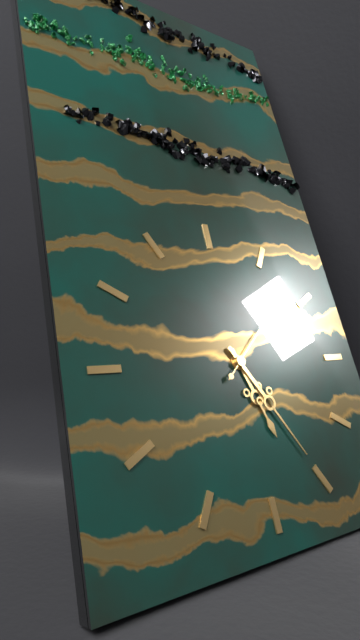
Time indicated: 5:25:08
